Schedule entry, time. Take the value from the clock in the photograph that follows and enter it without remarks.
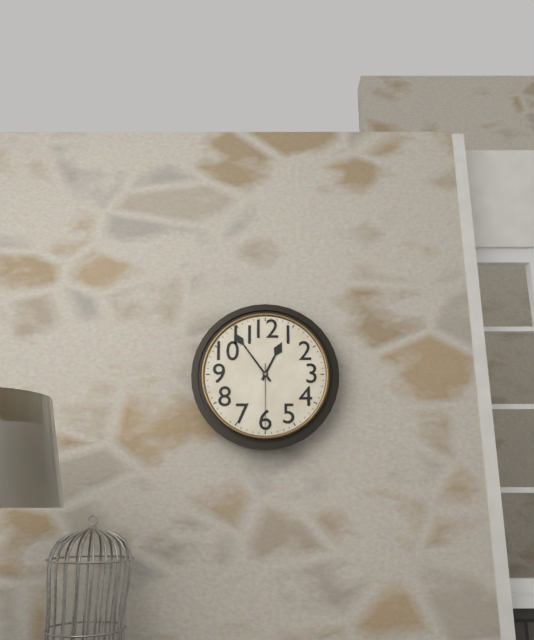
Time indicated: 12:54:30
